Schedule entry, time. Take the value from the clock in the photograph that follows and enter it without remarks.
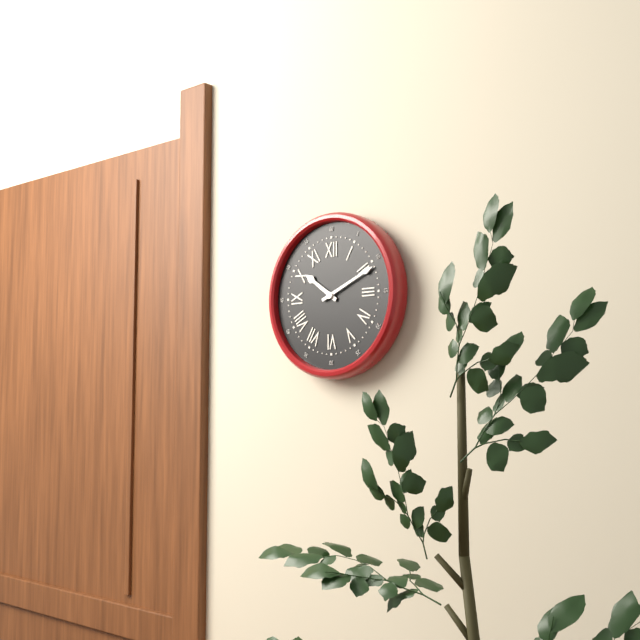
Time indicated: 10:11
